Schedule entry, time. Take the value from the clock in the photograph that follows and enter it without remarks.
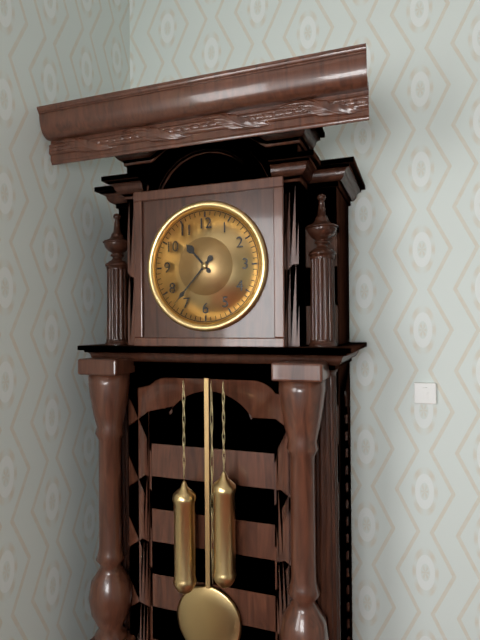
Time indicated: 10:37
